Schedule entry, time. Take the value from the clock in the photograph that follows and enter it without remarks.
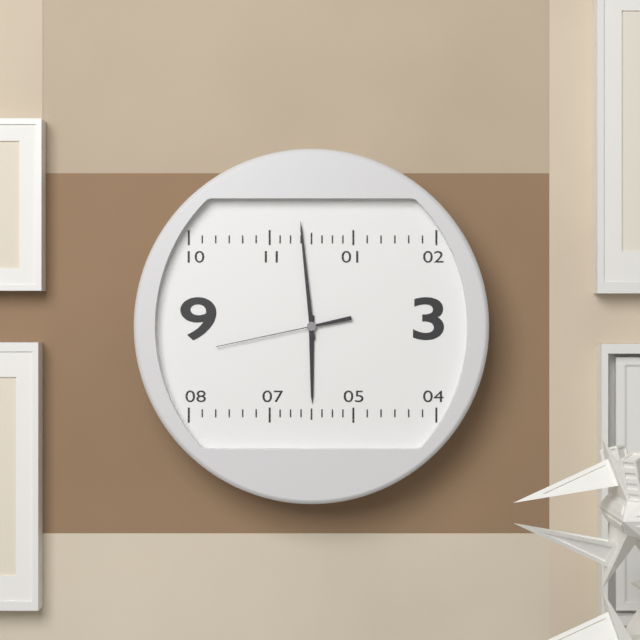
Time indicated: 5:59:43
